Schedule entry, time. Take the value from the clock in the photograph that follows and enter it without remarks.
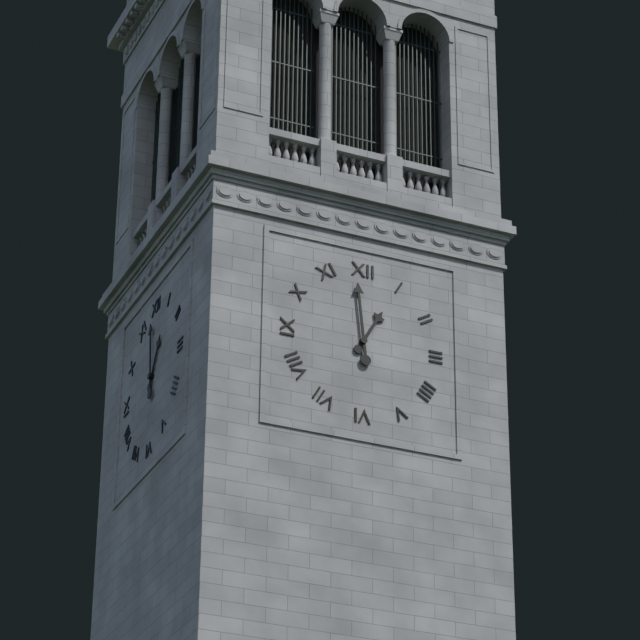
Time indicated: 12:59
